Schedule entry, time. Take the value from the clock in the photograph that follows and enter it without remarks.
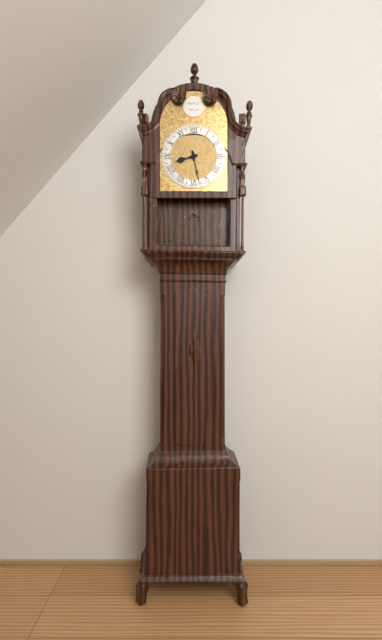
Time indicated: 8:28
